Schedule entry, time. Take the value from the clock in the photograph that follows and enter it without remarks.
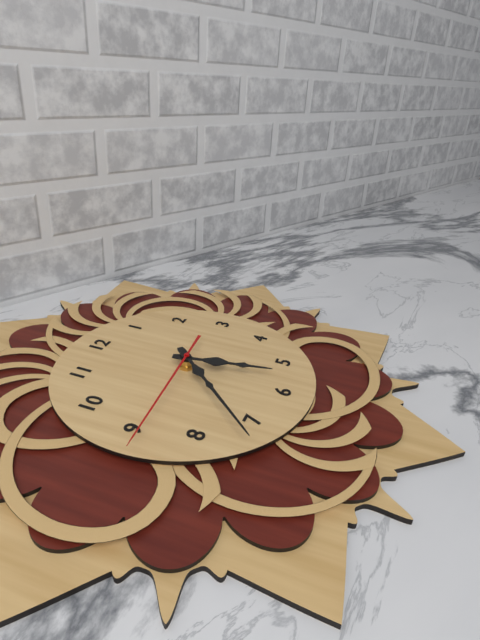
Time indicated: 5:37:44
